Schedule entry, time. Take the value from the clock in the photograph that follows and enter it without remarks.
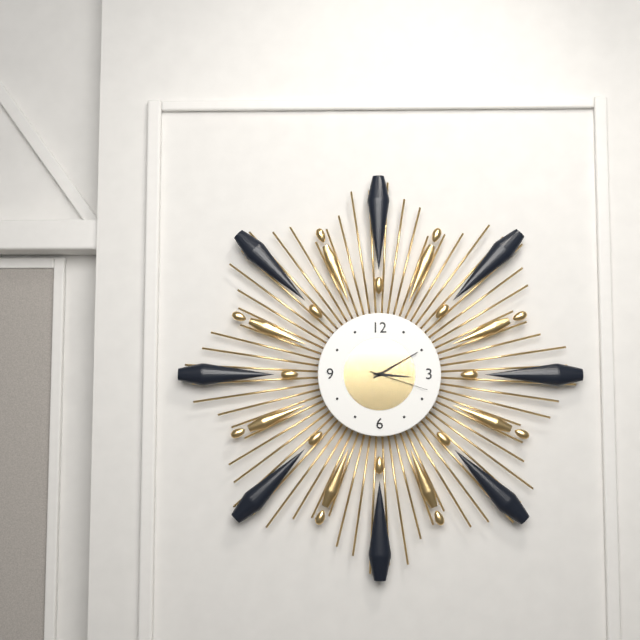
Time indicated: 3:10:18
